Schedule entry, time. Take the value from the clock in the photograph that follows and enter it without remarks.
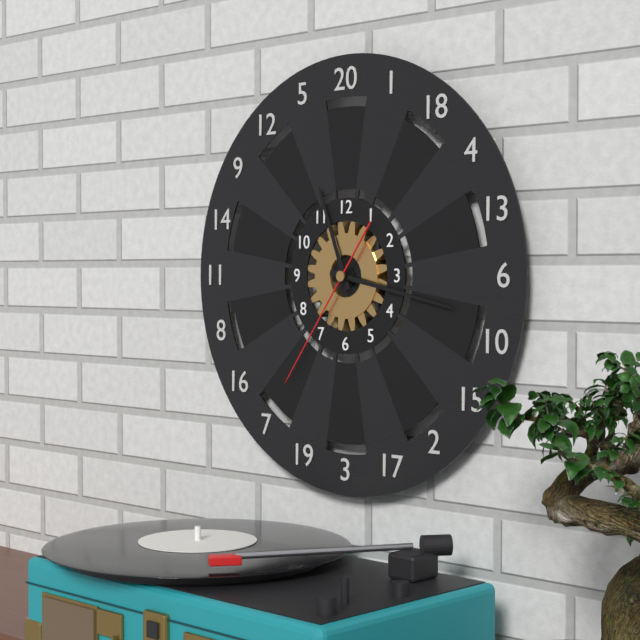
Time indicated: 11:17:36
